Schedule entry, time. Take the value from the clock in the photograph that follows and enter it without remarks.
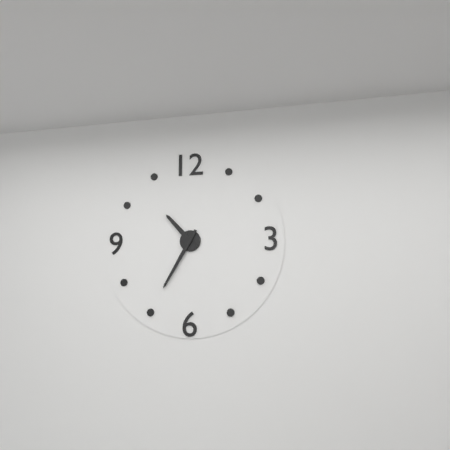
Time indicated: 10:35
